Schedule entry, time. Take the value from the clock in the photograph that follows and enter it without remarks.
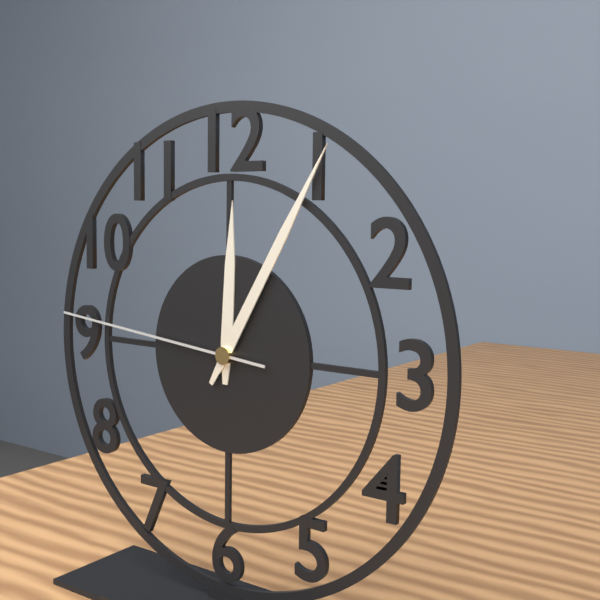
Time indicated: 12:05:46
